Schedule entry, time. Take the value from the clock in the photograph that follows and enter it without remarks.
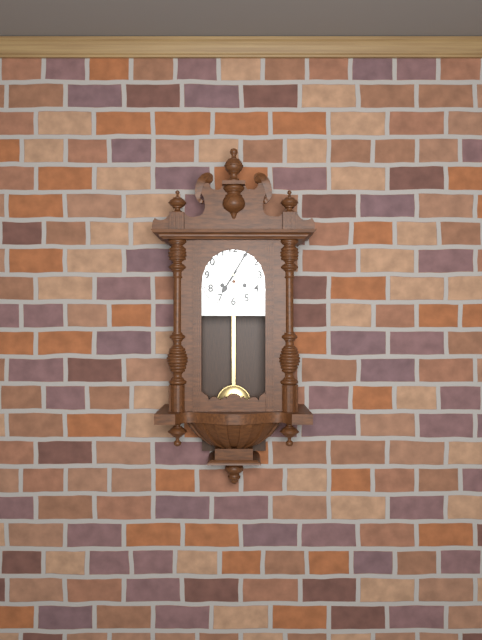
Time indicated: 7:05
